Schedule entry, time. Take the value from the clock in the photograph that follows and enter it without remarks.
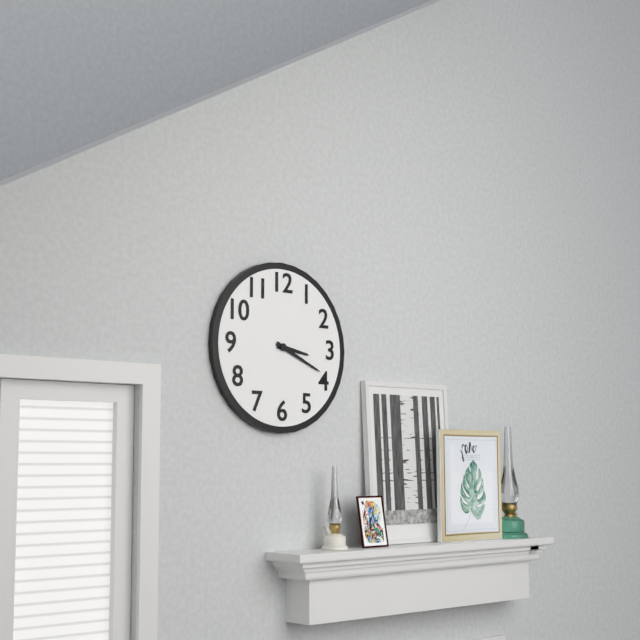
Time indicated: 3:19
